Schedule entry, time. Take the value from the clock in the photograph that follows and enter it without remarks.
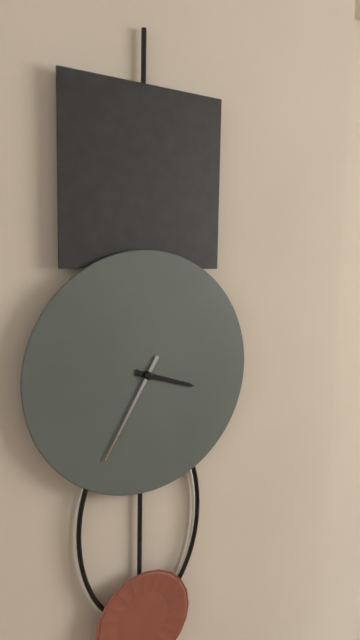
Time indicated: 3:35
